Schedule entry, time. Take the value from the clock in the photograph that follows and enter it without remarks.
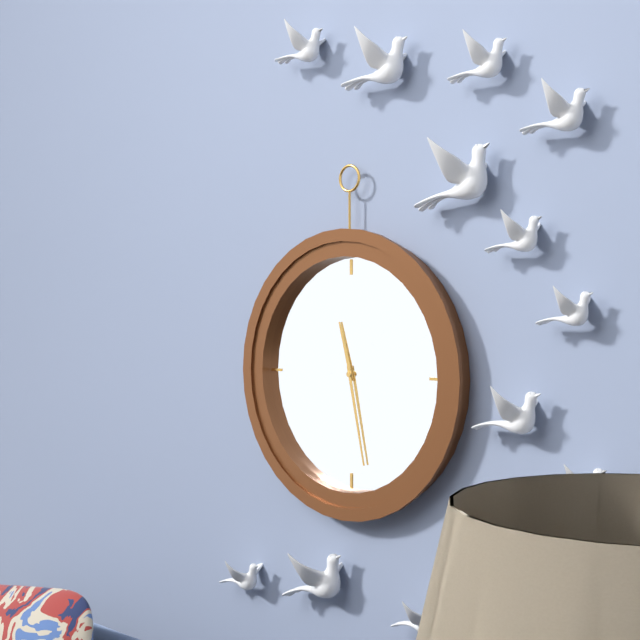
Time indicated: 11:28
